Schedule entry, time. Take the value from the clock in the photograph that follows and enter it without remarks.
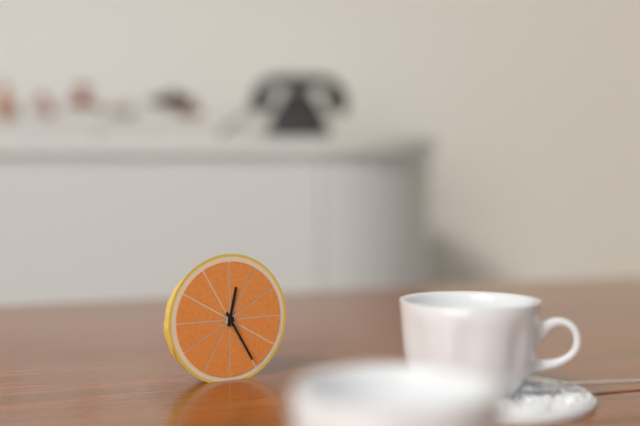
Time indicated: 12:25
